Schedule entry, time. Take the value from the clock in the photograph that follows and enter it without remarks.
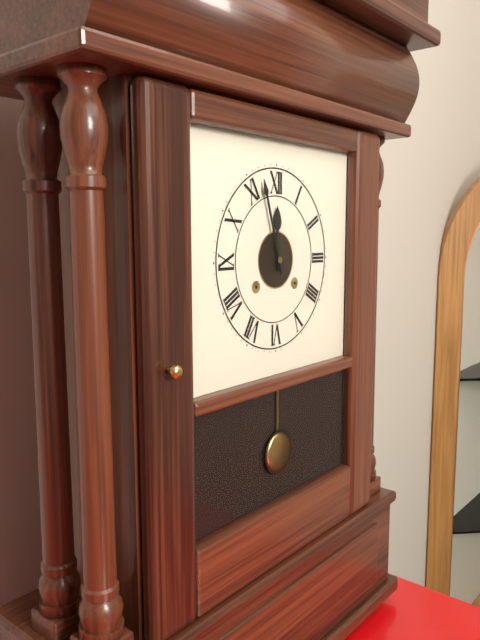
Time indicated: 11:57
